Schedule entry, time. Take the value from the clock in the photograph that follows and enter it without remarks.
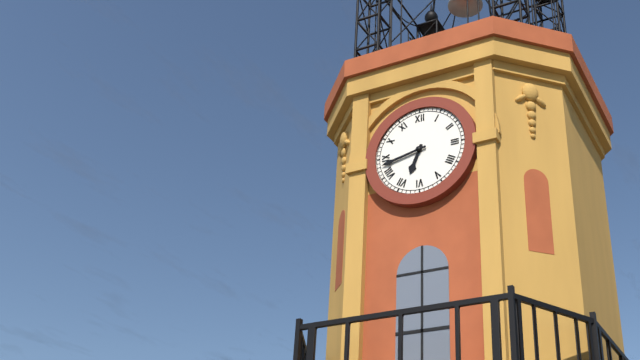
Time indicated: 6:43
